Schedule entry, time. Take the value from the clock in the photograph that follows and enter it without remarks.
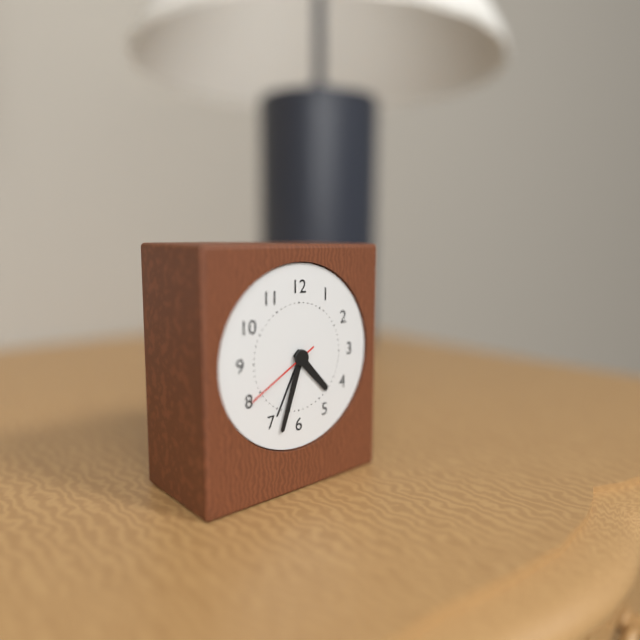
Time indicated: 4:33:40
